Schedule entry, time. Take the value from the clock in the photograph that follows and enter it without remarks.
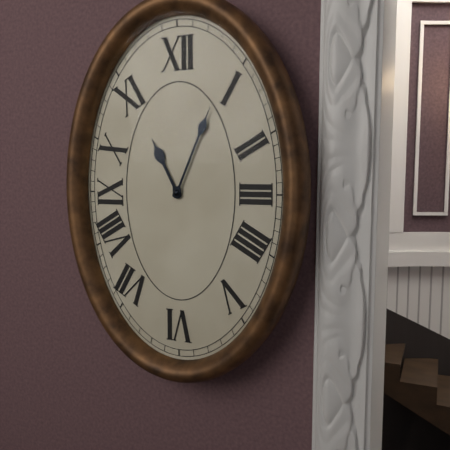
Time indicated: 11:04
